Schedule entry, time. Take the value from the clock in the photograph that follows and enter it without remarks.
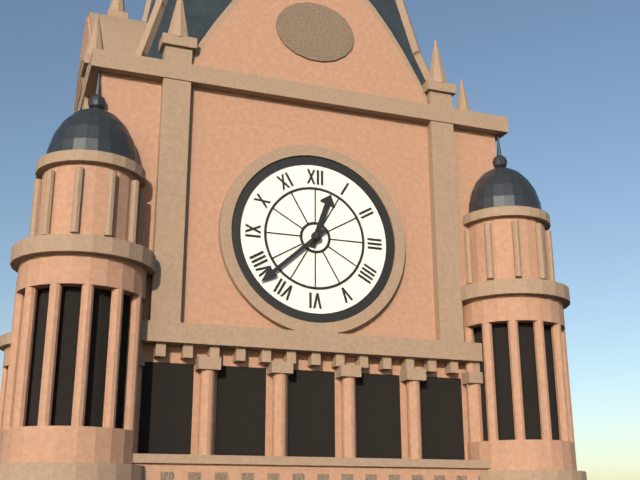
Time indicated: 12:38
